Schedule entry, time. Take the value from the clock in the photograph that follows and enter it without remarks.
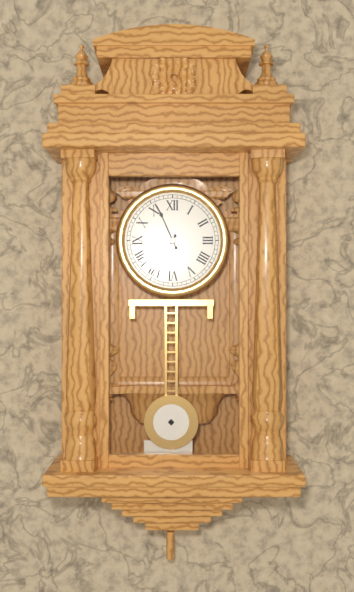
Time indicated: 6:56
